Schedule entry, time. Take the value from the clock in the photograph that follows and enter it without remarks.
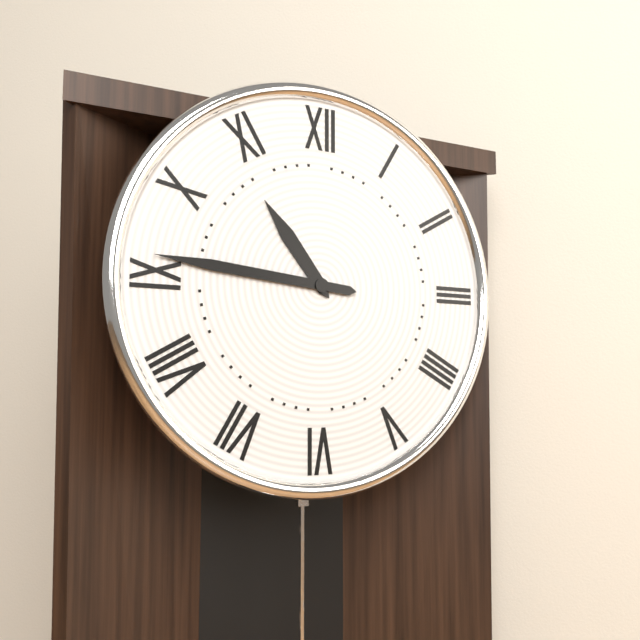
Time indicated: 10:46
